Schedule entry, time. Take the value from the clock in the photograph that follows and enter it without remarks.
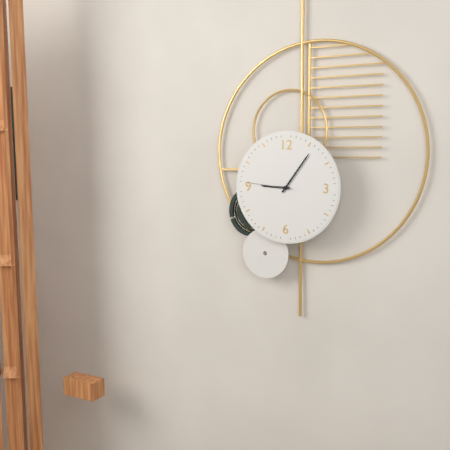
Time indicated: 9:06:46
